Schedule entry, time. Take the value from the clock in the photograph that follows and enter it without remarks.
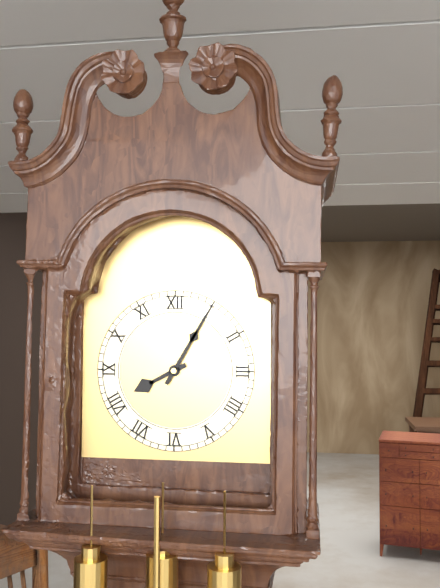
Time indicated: 8:05
